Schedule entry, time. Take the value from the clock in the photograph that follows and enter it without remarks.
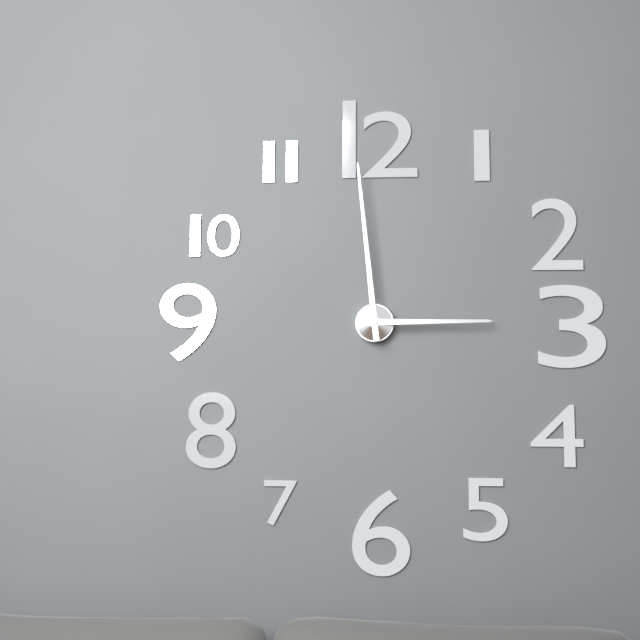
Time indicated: 2:59
